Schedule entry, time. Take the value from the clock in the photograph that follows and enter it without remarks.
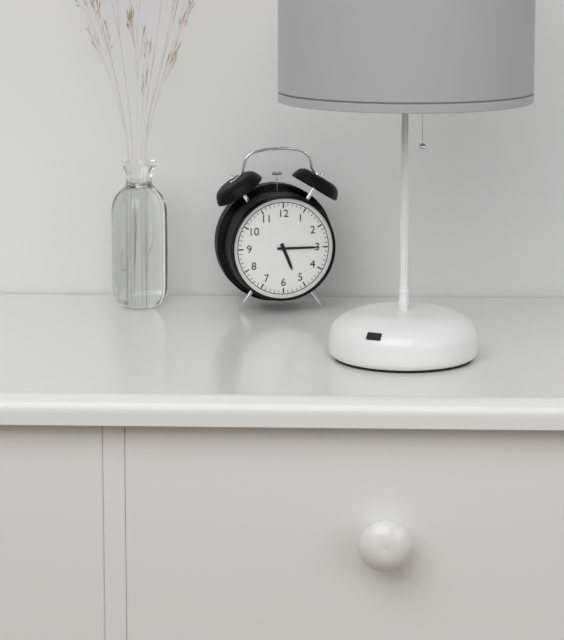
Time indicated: 5:15
